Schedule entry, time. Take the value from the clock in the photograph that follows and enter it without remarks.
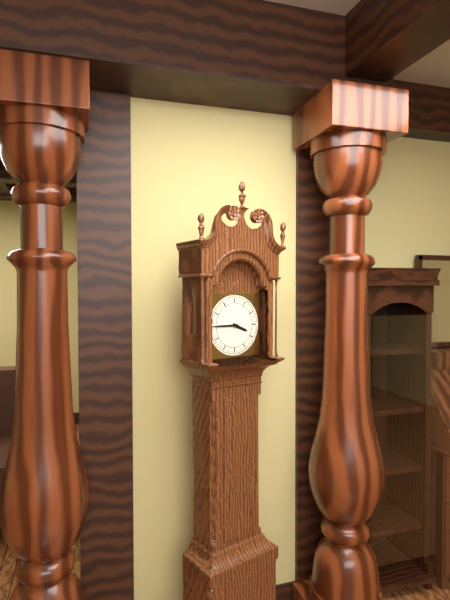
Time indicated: 3:45
